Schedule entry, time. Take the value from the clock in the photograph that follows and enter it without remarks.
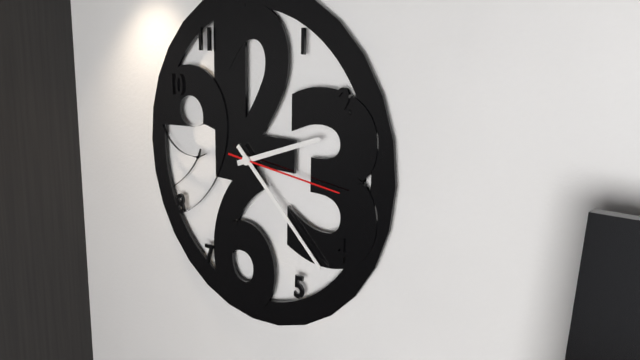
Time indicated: 2:22:16
